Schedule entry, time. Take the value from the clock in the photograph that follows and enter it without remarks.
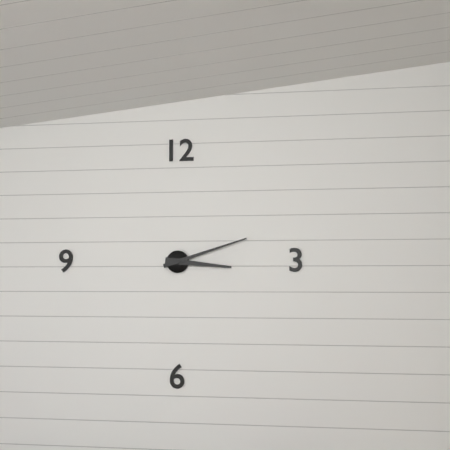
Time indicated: 3:12
